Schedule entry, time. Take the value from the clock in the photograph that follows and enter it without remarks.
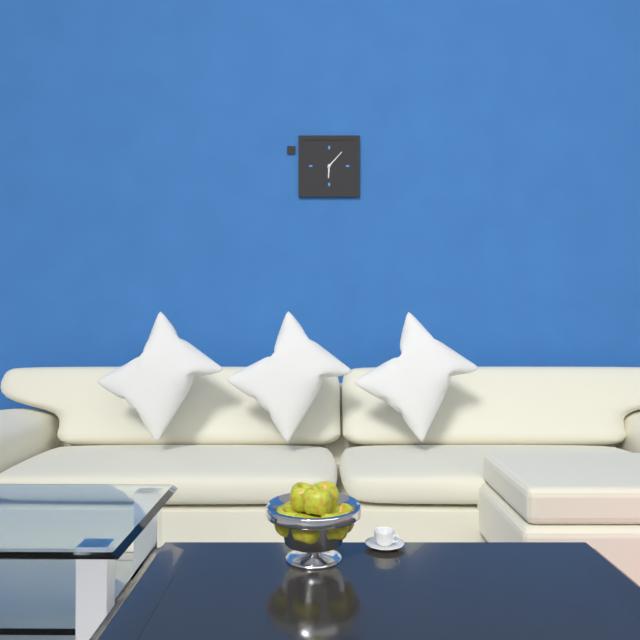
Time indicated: 6:07
